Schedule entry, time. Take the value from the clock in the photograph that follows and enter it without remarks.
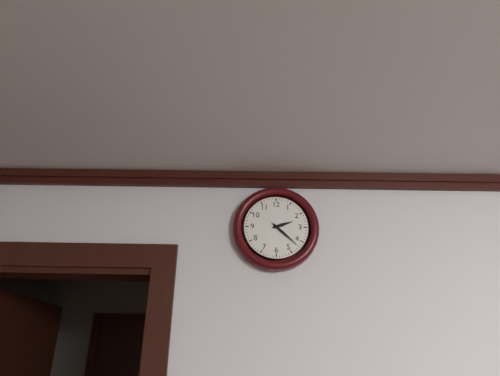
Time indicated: 2:22
